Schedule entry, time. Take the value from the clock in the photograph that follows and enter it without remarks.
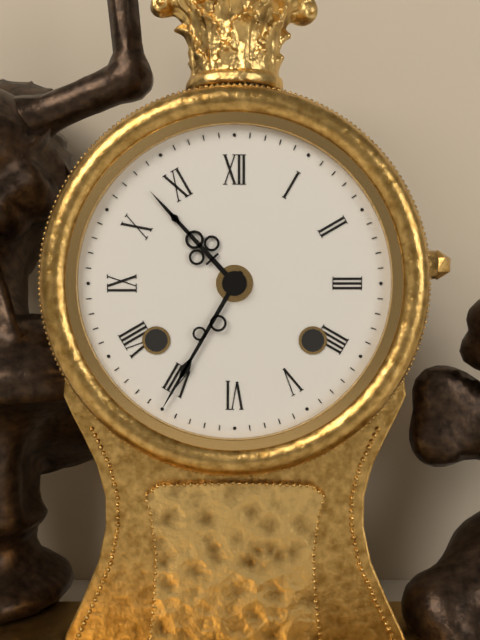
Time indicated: 10:35
